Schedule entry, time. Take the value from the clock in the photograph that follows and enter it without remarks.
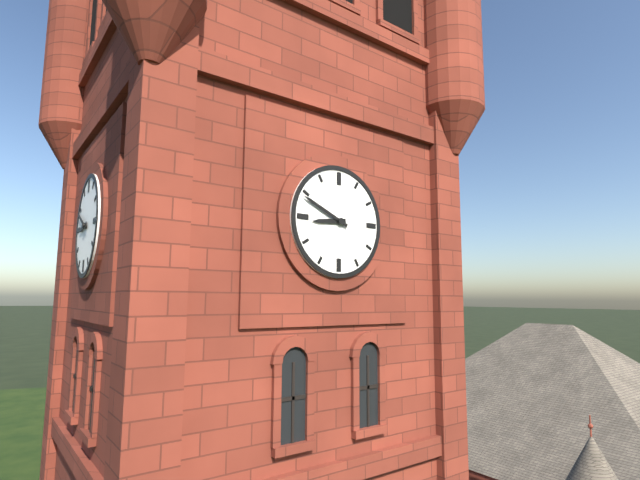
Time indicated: 8:49
